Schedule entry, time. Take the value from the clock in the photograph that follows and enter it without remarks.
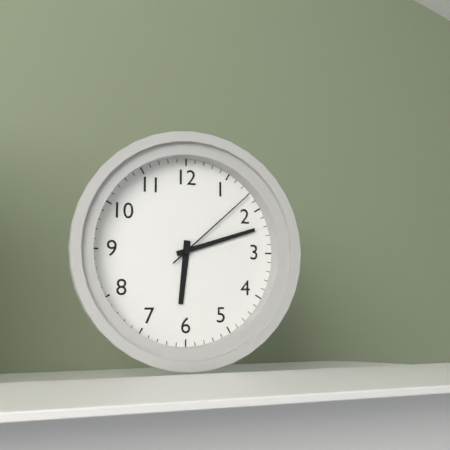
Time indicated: 6:12:08
